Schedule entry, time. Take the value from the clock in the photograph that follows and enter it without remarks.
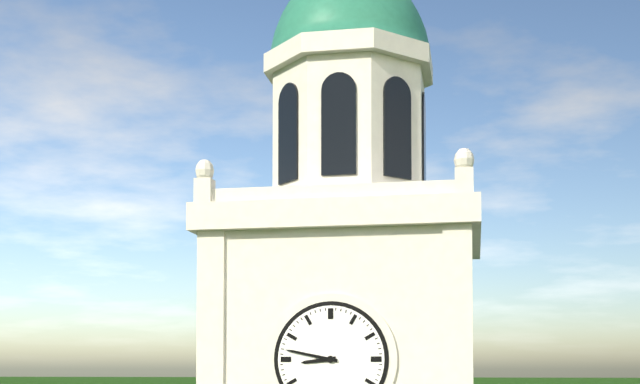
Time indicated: 8:47
